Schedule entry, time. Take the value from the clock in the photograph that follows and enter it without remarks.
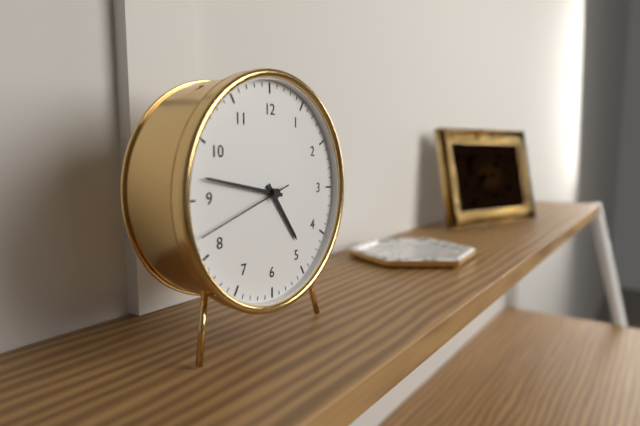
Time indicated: 4:47:42
